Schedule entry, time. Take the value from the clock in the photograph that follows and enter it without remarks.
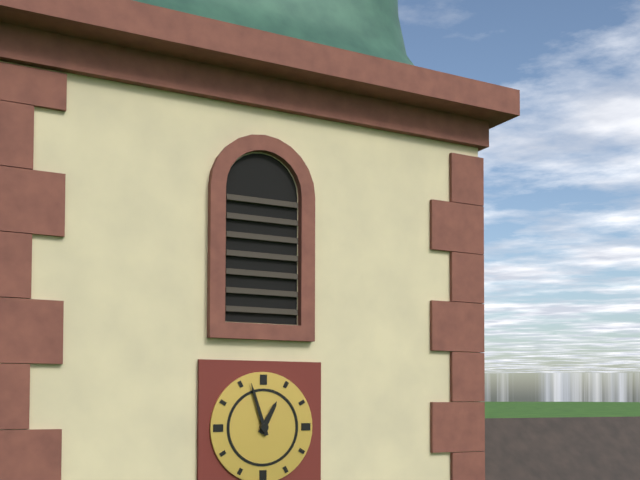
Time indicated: 12:57
